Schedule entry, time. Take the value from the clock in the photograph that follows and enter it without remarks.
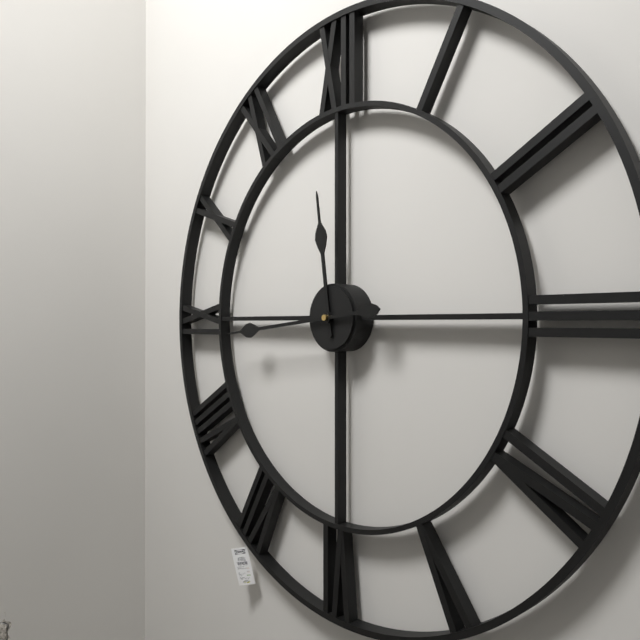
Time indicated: 11:44
